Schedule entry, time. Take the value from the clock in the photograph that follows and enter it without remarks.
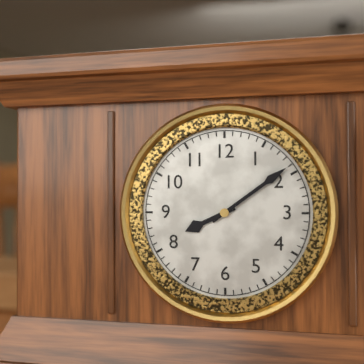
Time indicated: 8:09
